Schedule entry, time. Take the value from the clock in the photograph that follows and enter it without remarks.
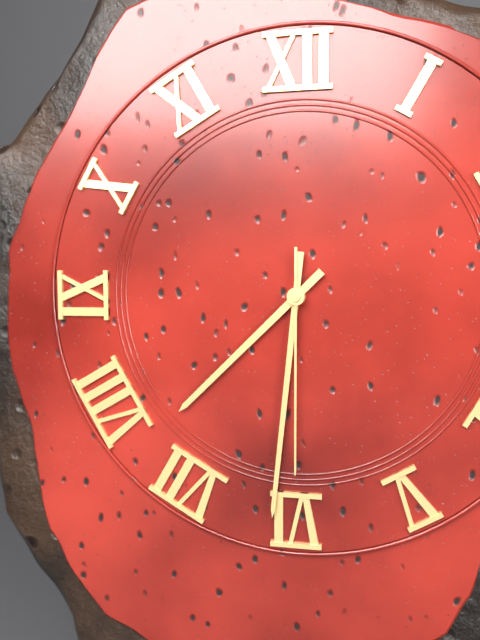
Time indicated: 7:31:30
